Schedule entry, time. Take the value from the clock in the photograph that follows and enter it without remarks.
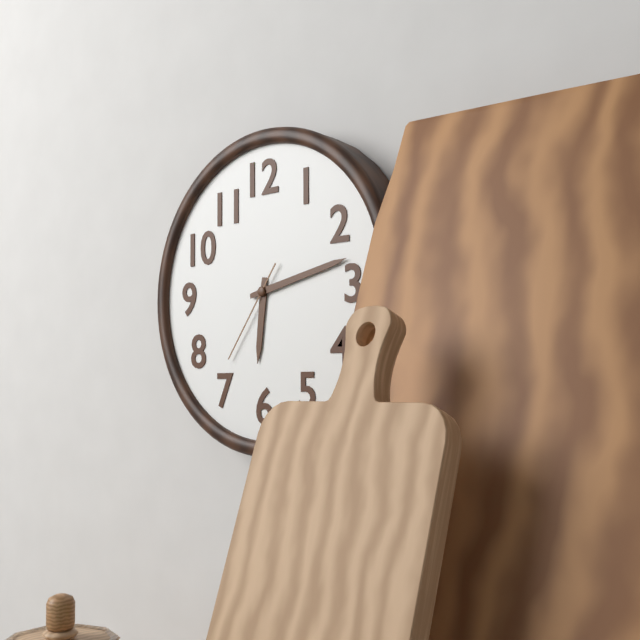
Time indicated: 6:13:36
